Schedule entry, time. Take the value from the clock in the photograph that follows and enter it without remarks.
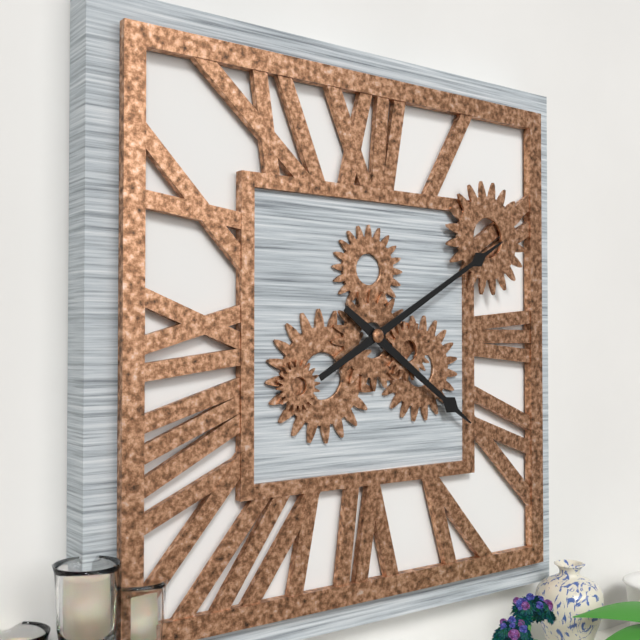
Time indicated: 4:10
